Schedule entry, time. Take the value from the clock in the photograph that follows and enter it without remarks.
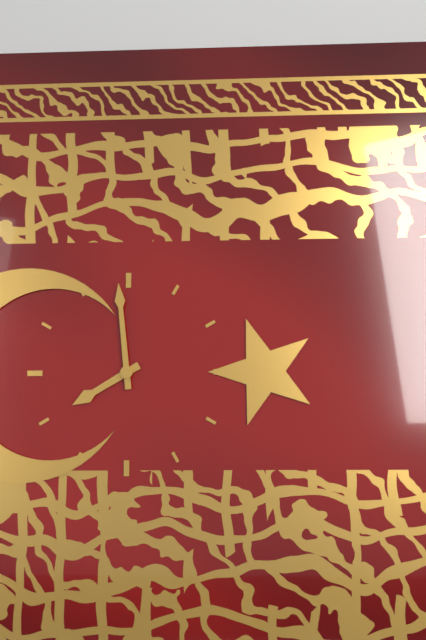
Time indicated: 7:59
